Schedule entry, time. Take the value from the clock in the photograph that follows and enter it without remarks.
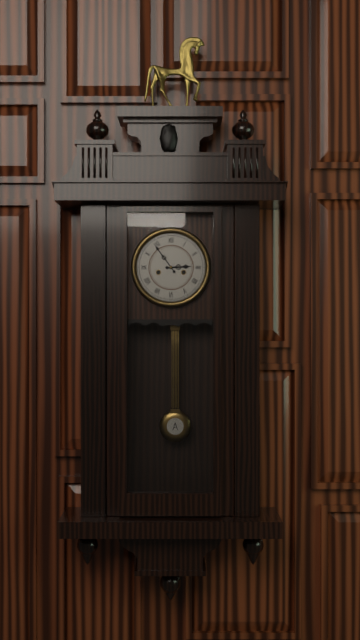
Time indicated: 2:54
